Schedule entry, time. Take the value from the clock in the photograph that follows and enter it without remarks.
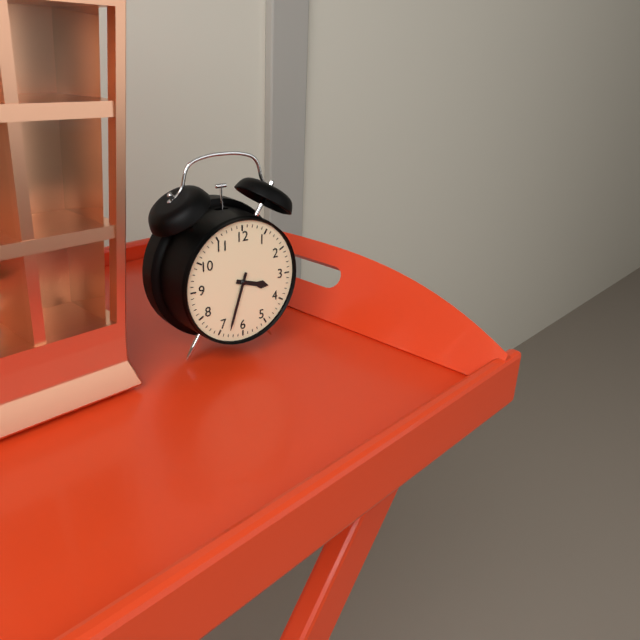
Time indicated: 3:33
